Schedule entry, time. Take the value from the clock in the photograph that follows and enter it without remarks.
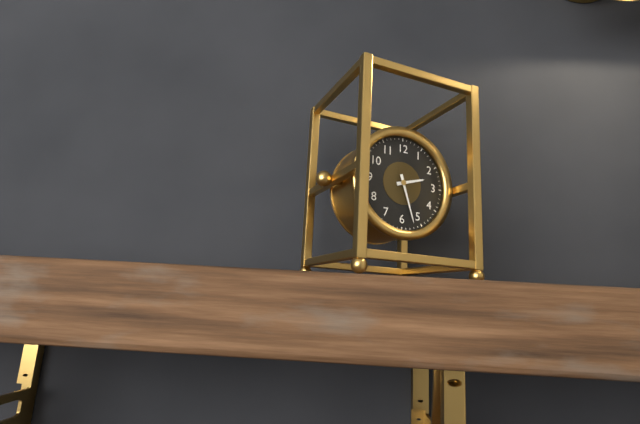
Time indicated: 2:27
